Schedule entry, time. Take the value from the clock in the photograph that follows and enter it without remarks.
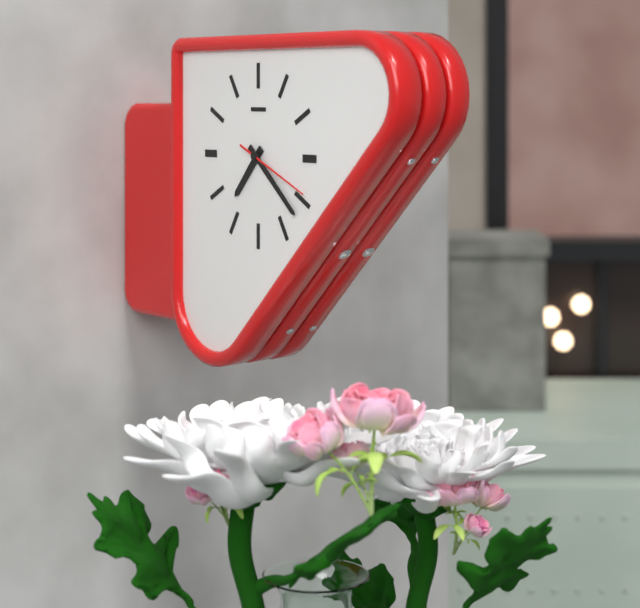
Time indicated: 7:22:19
